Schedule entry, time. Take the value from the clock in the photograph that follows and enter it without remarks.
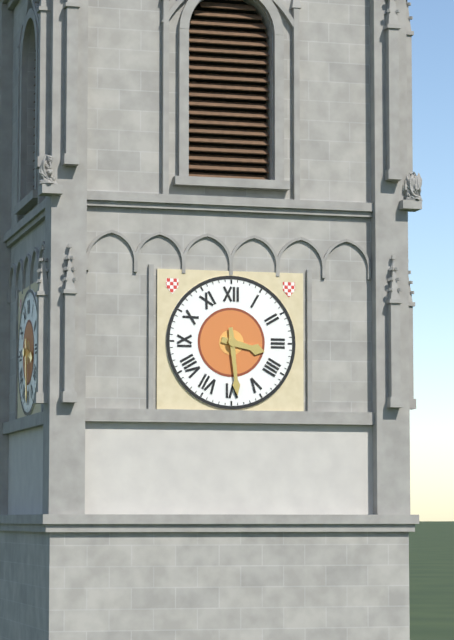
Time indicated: 3:29
